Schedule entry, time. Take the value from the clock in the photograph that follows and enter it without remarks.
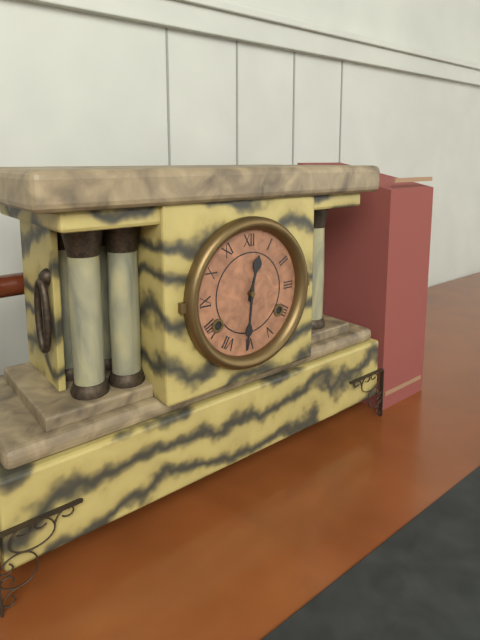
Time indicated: 12:31
